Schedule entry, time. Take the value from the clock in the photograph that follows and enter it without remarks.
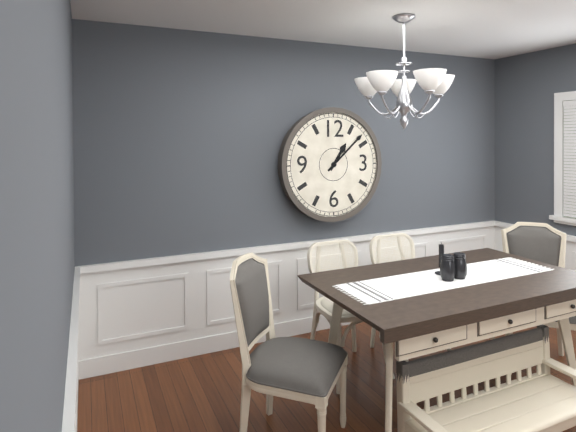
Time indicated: 1:08
